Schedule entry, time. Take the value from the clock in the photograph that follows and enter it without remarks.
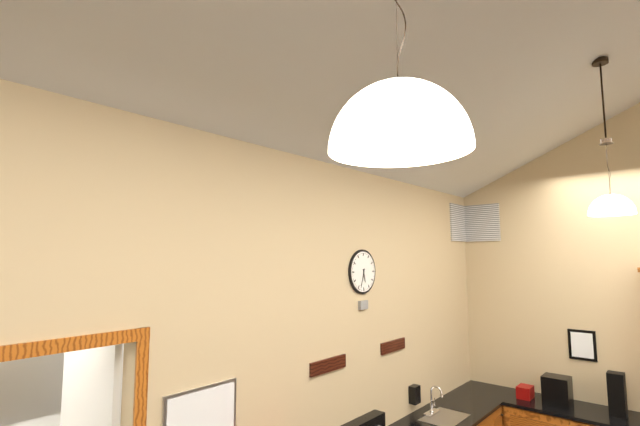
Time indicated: 5:33
